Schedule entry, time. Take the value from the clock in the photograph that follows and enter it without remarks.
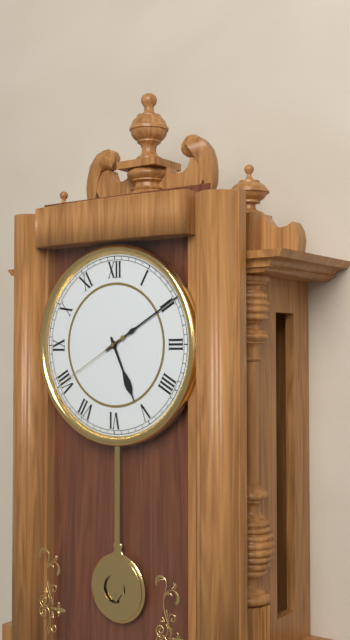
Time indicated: 5:10:40
